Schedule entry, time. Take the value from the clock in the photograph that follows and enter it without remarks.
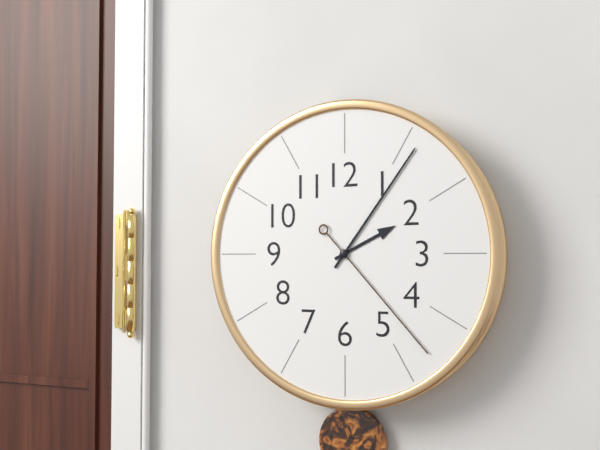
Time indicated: 2:06:23
